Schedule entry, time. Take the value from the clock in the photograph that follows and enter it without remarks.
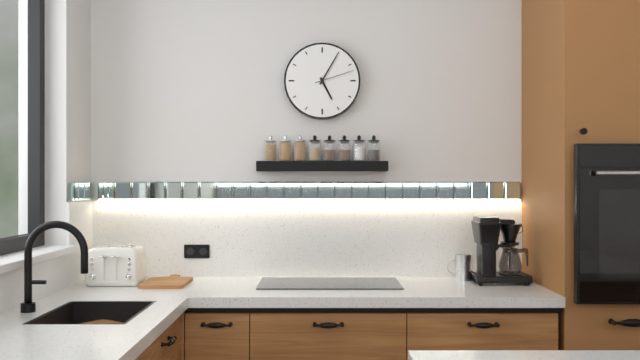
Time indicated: 5:05
